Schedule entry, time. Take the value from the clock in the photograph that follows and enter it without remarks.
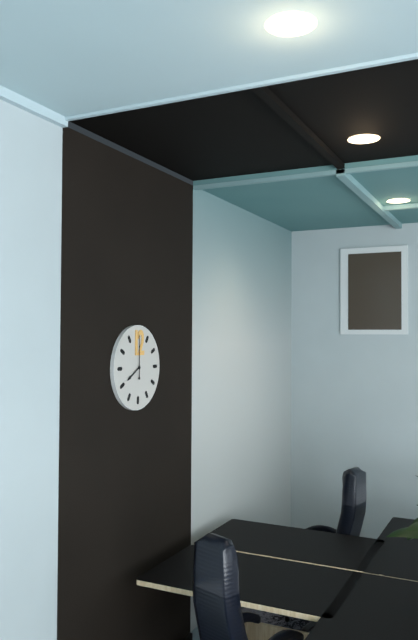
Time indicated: 8:00
